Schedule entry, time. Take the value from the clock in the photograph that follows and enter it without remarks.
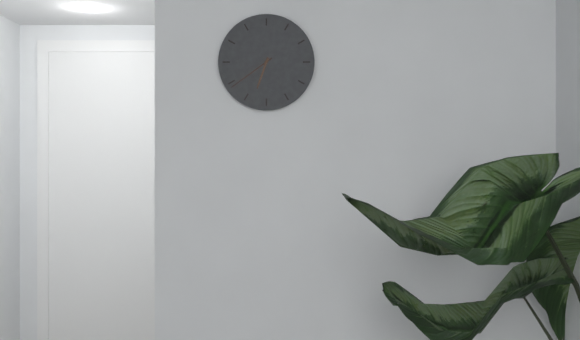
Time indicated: 6:39
